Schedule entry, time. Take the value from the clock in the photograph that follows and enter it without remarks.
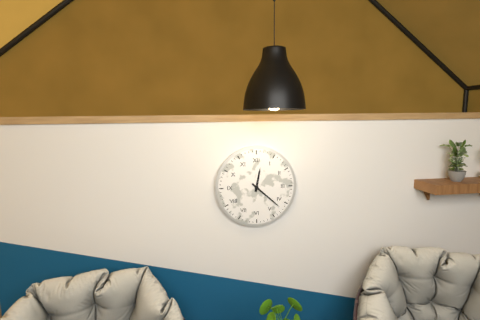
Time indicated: 12:22
